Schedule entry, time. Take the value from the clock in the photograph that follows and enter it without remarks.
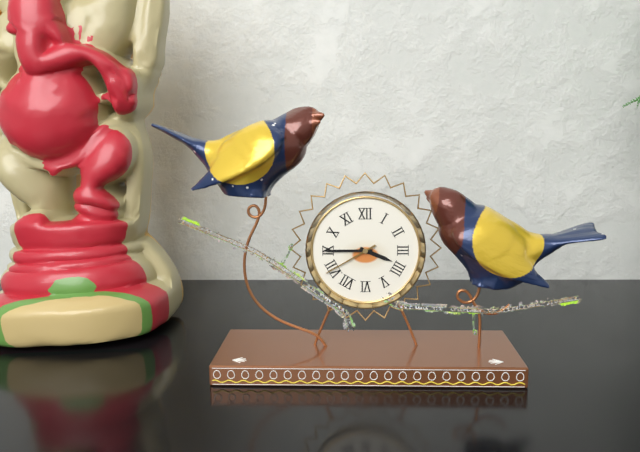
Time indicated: 3:45:40
